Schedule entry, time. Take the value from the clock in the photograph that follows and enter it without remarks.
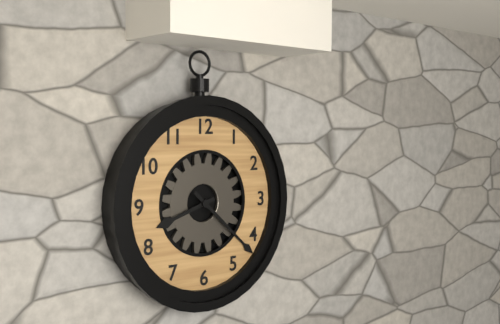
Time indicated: 8:22
